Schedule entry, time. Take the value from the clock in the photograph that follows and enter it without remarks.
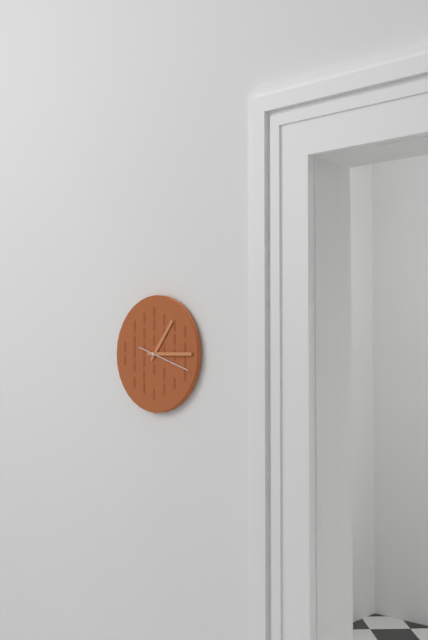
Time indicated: 1:15
